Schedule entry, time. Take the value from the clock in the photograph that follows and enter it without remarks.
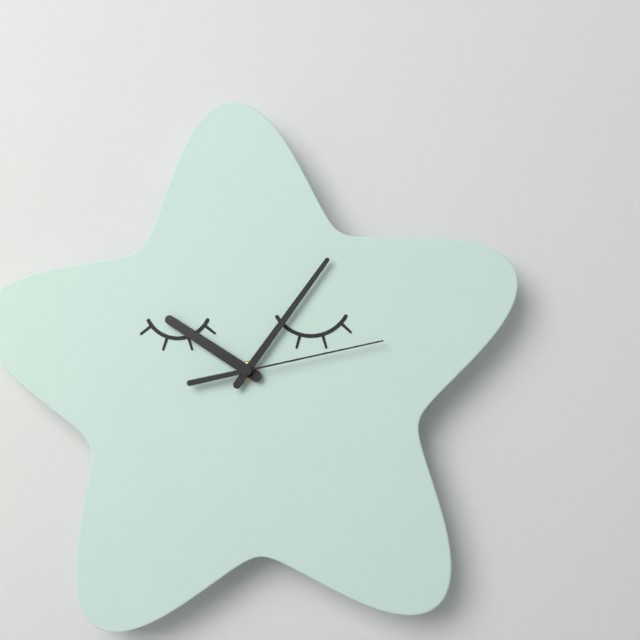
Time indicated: 10:06:13
